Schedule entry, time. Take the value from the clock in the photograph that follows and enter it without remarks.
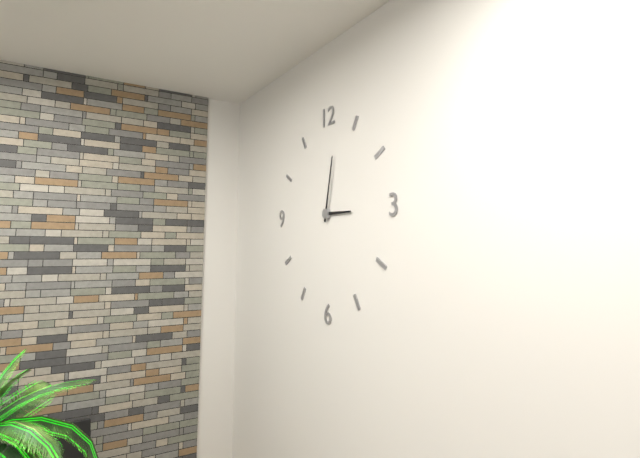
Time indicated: 3:02
